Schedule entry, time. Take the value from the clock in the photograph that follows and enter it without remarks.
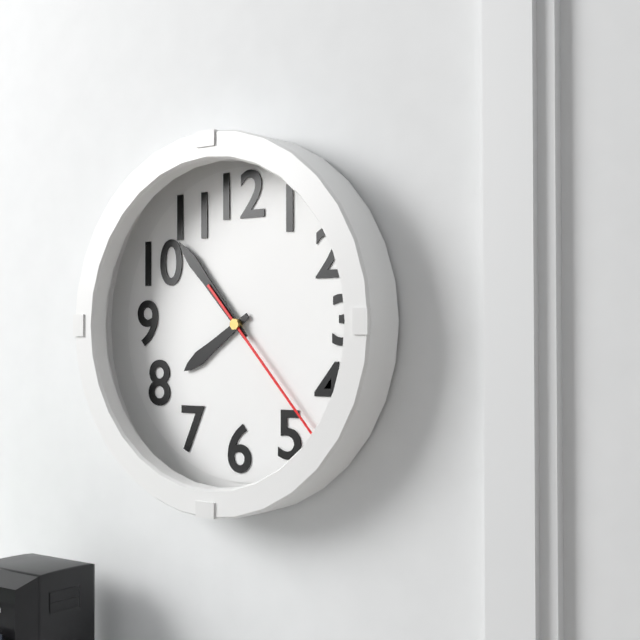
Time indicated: 7:53:23
